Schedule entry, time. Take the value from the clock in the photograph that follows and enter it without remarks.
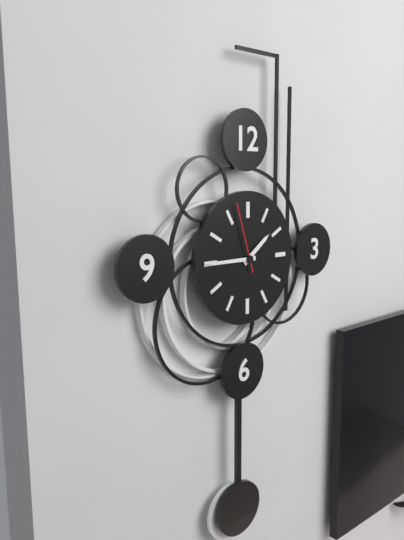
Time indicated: 1:45:57
